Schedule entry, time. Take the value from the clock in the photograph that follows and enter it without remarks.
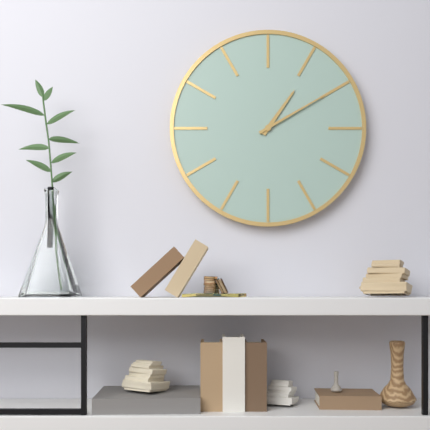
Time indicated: 1:10
